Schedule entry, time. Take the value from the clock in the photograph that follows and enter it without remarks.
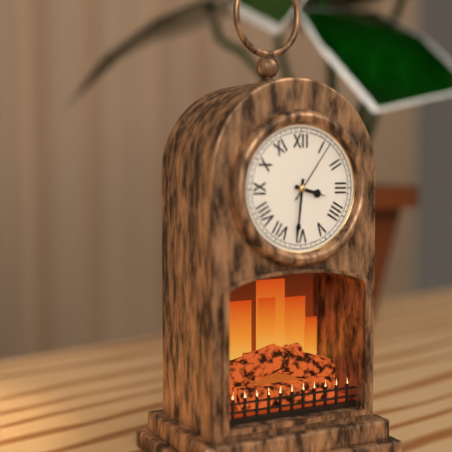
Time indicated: 3:31:06
